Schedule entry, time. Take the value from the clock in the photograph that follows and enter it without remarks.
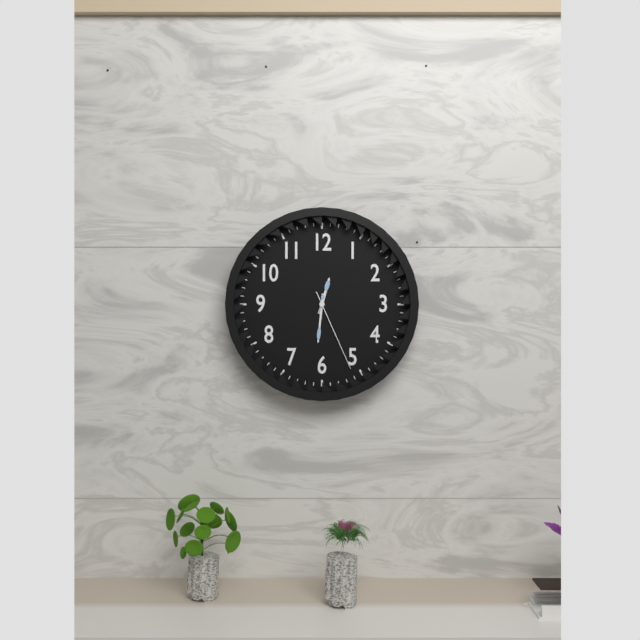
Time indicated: 12:31:26
